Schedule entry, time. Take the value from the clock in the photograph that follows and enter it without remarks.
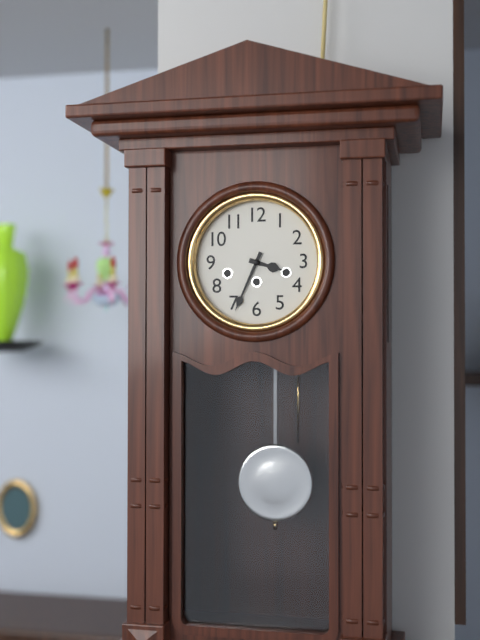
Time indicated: 3:34
